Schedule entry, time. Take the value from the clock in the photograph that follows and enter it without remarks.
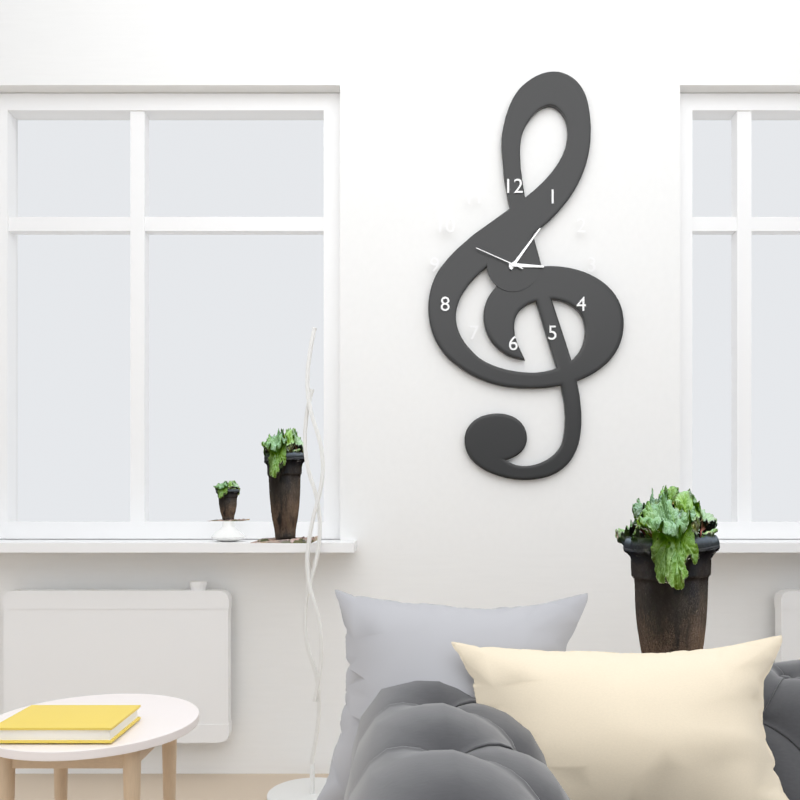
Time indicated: 3:06:49
